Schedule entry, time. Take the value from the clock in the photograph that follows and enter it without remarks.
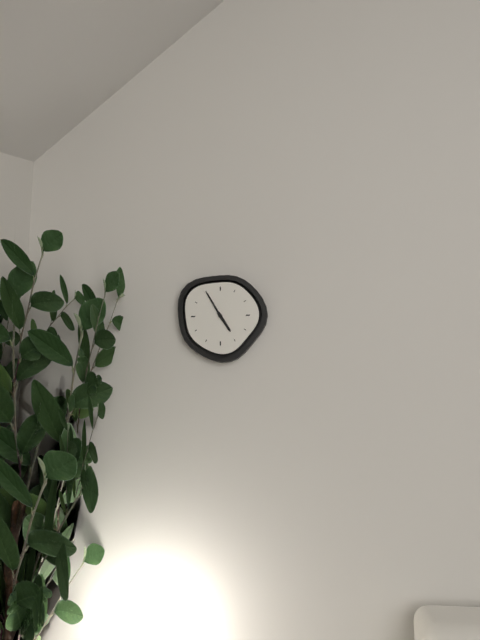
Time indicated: 4:55
